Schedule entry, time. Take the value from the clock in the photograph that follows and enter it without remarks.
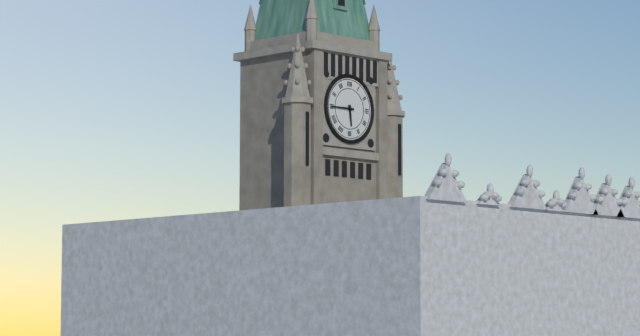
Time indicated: 5:45
